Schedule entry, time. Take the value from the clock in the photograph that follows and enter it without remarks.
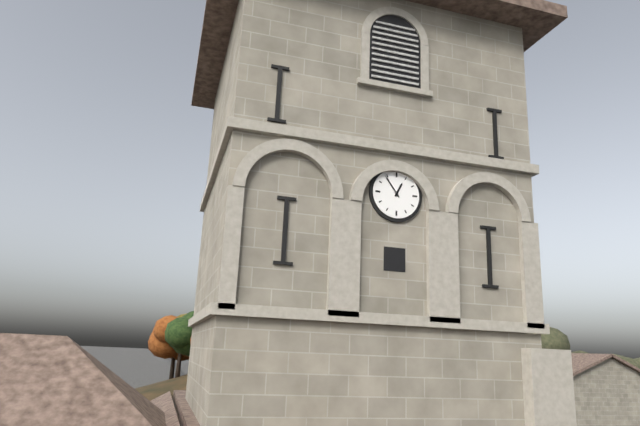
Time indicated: 12:54
